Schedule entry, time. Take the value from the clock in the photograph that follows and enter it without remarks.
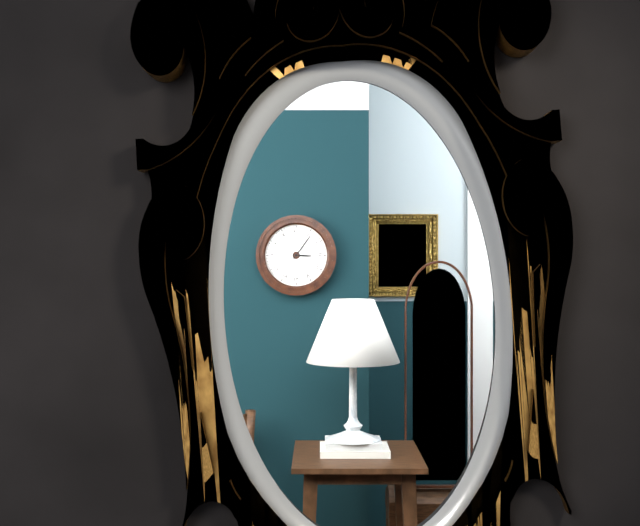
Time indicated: 3:06
